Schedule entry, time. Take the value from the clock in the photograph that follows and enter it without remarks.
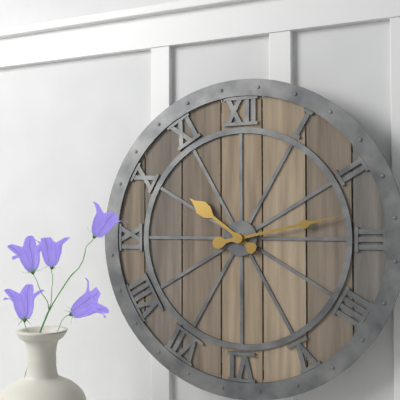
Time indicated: 10:13
